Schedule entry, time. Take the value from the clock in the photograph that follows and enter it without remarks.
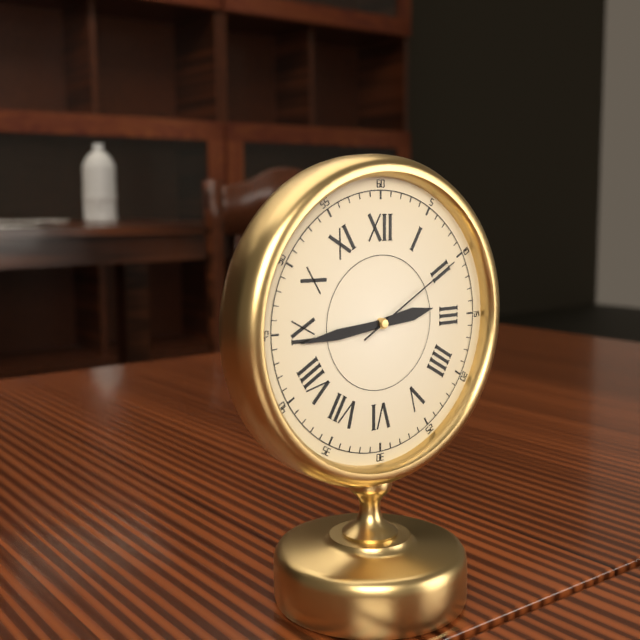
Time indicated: 2:44:10
